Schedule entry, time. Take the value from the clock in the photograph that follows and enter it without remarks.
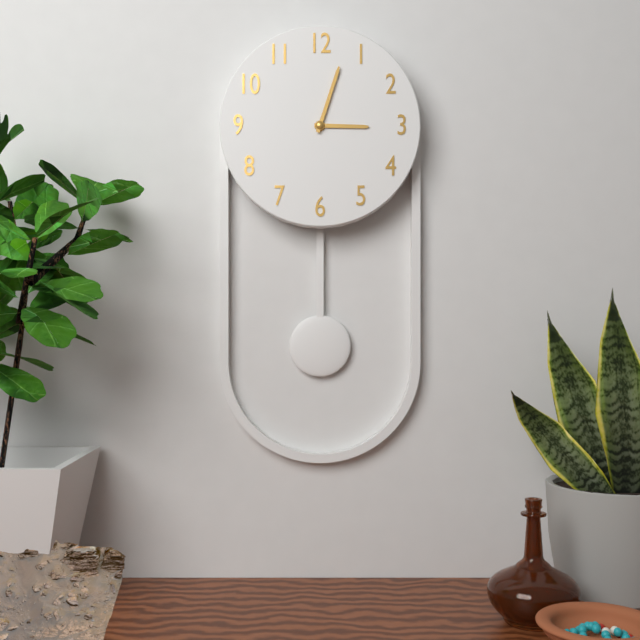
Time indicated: 3:03
